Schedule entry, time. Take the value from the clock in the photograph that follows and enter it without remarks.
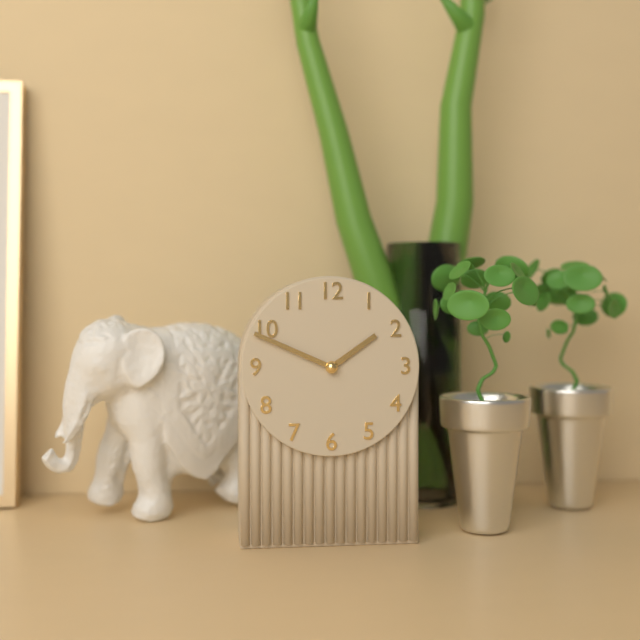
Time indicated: 1:49
